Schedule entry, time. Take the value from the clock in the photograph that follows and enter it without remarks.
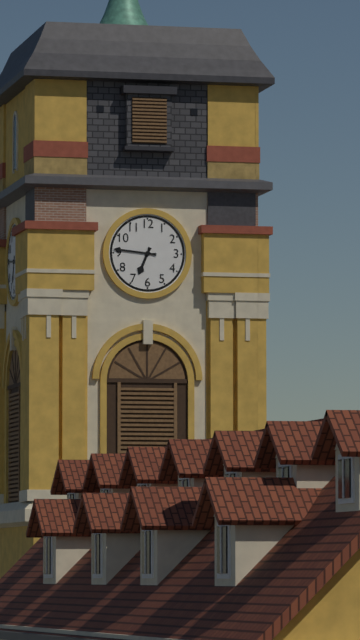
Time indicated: 6:46
